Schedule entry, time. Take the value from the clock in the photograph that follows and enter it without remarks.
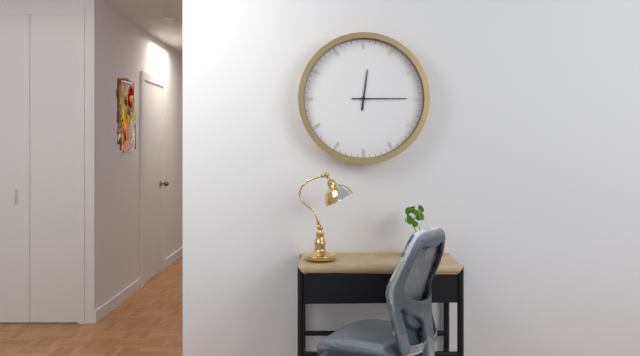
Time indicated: 12:15
